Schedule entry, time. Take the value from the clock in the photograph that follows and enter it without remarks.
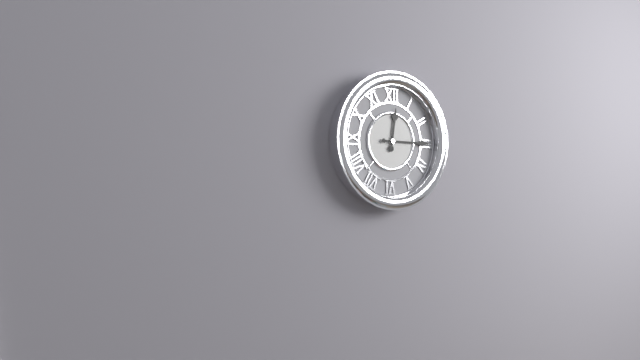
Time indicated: 12:15
